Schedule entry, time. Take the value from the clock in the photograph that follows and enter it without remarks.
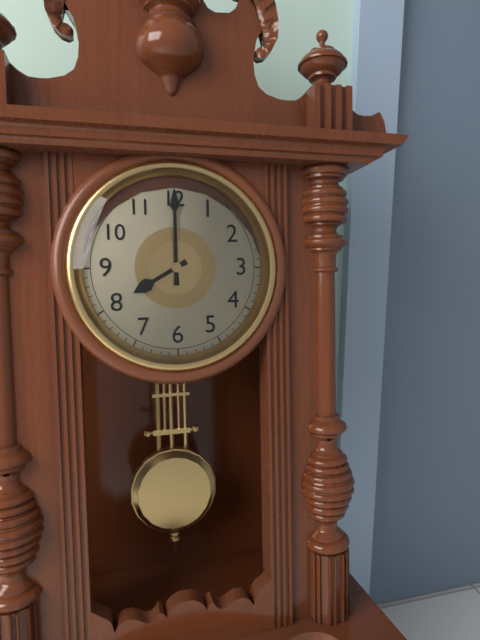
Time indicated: 8:00
